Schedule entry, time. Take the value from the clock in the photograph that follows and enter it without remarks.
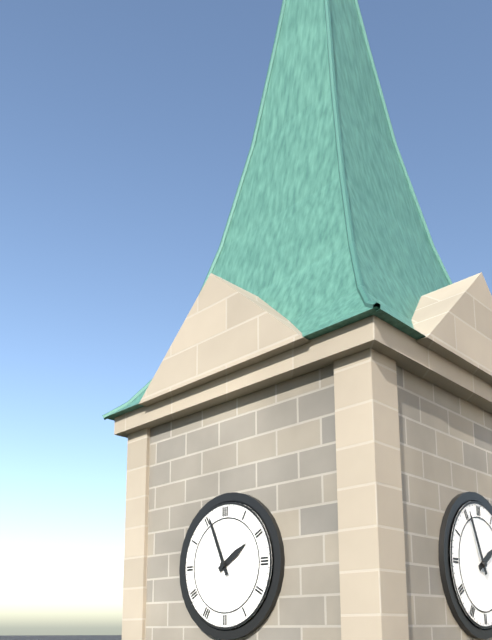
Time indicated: 1:56
